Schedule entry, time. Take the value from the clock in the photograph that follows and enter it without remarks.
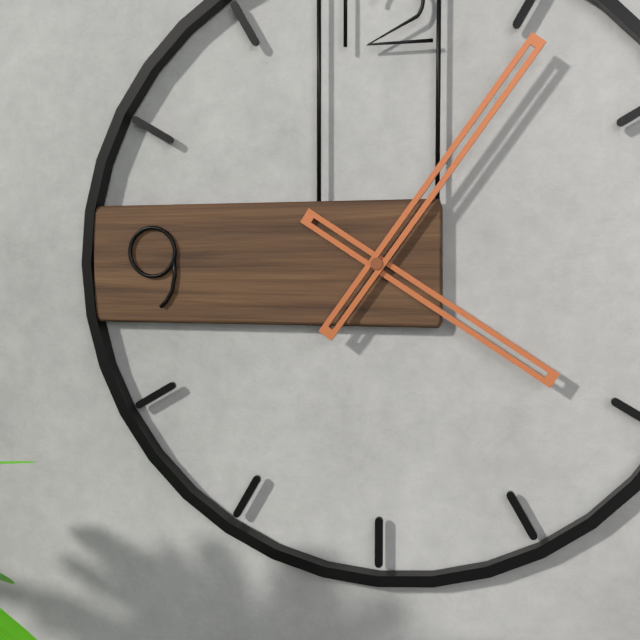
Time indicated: 4:06
